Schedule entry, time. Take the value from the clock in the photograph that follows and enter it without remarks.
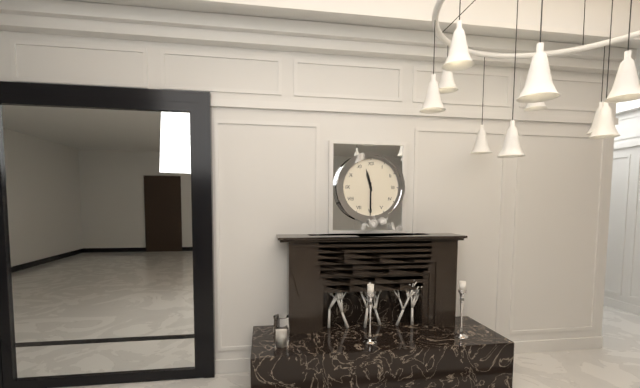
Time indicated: 11:30
